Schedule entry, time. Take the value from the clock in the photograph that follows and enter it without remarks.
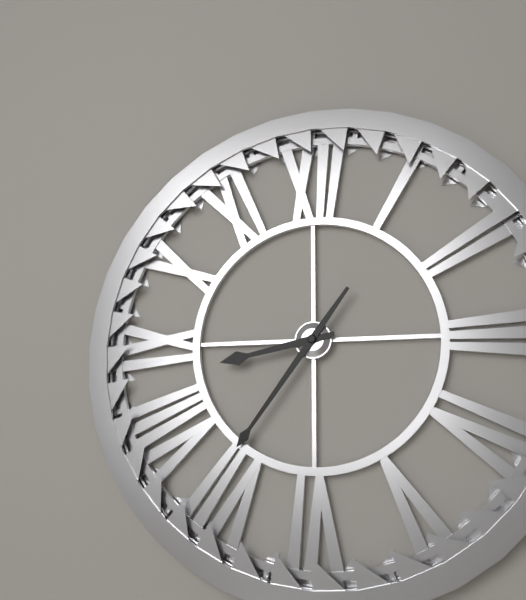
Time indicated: 8:36
